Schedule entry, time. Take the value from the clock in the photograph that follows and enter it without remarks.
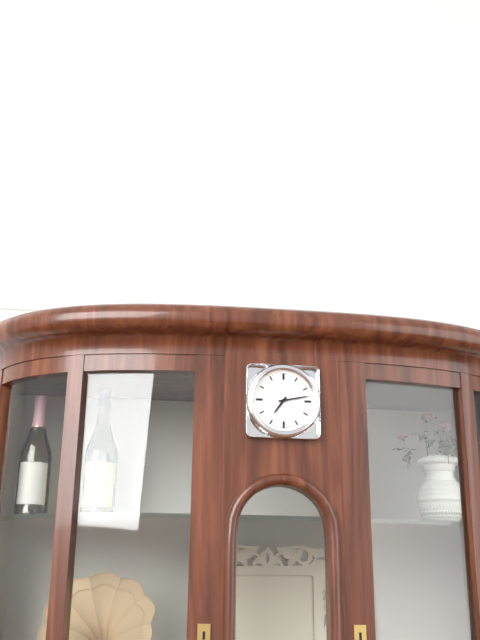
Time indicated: 7:13
